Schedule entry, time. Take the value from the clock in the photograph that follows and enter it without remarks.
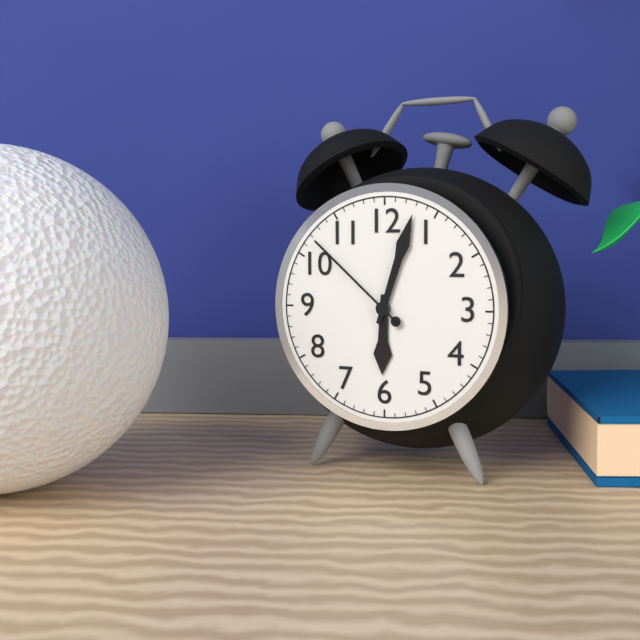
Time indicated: 6:03:52
